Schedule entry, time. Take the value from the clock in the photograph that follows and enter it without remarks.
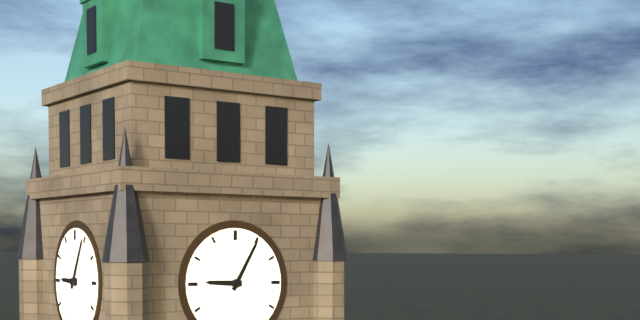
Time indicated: 9:05
